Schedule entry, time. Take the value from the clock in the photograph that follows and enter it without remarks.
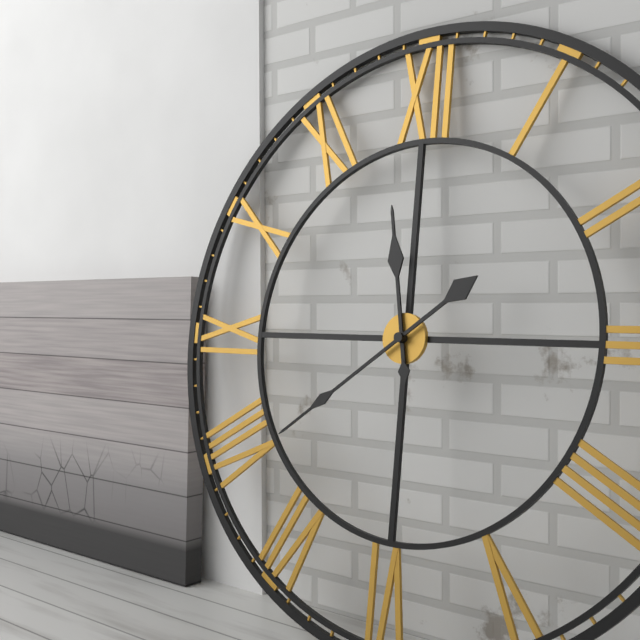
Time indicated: 11:39
